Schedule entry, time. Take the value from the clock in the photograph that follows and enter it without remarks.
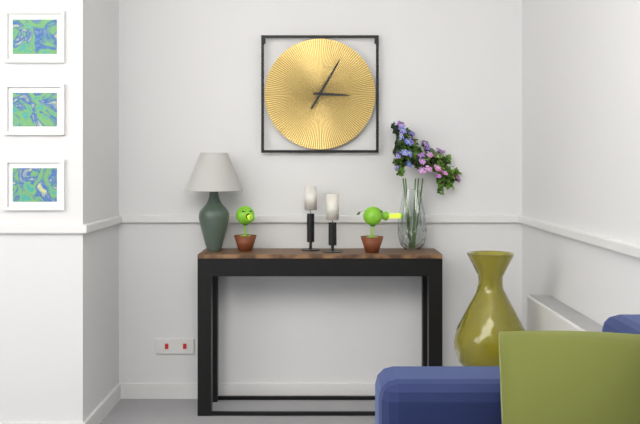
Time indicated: 3:05
